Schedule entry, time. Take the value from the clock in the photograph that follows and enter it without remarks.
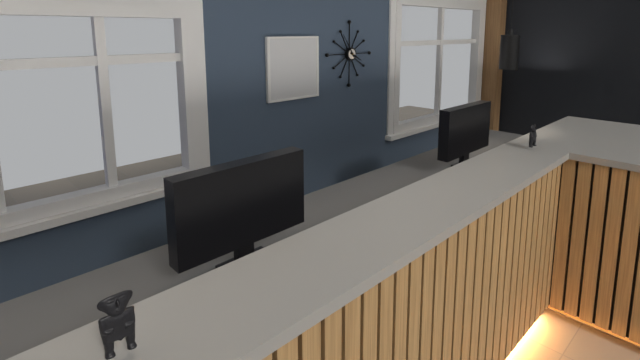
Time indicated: 3:54
